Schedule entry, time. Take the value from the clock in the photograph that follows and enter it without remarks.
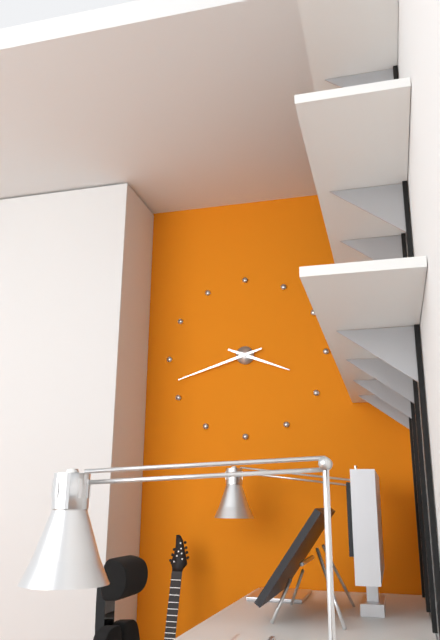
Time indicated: 3:42
